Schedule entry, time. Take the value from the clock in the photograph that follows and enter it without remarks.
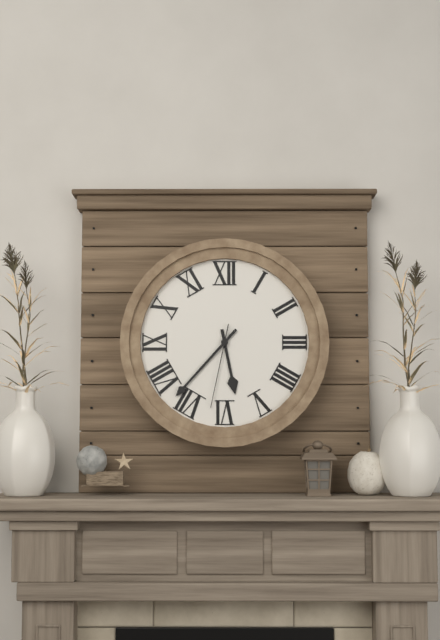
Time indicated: 5:37:32
